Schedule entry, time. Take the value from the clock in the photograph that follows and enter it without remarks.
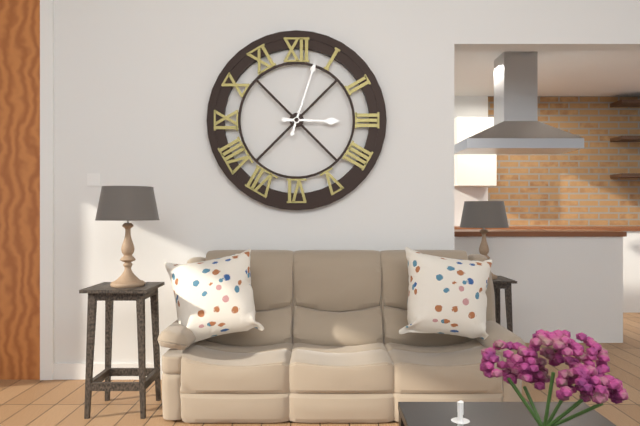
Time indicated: 3:03
